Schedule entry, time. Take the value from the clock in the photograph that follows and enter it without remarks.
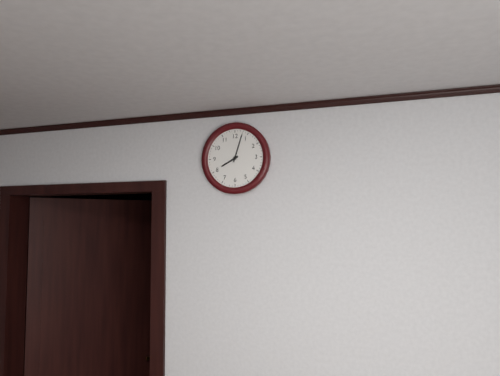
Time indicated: 8:03
